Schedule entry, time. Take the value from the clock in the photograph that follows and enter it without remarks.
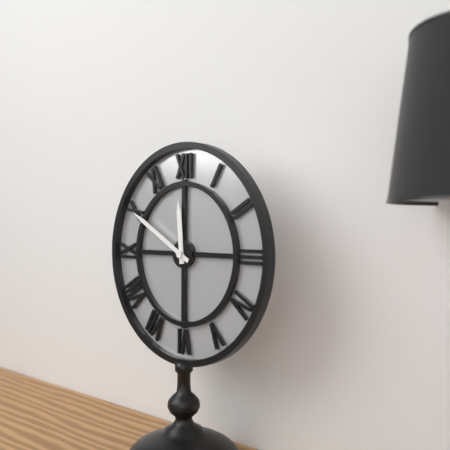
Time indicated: 11:50
